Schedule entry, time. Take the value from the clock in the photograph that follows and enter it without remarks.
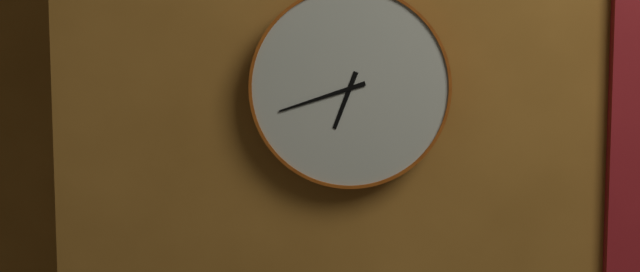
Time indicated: 6:42
